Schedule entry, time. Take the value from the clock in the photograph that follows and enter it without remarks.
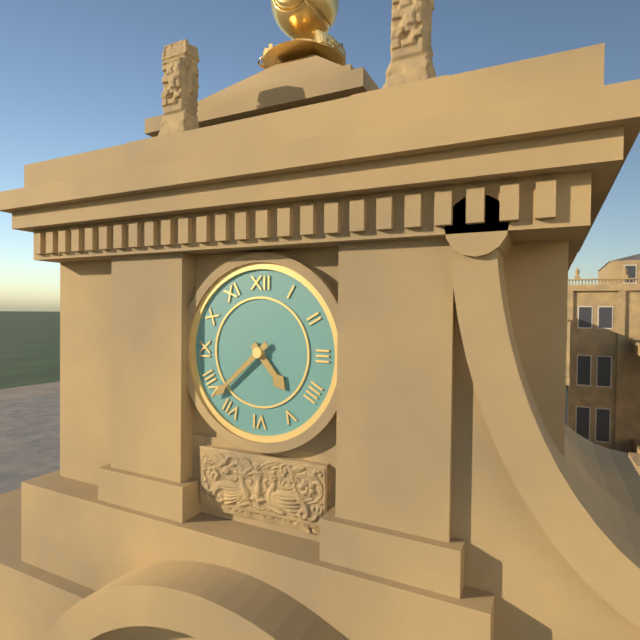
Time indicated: 4:38
